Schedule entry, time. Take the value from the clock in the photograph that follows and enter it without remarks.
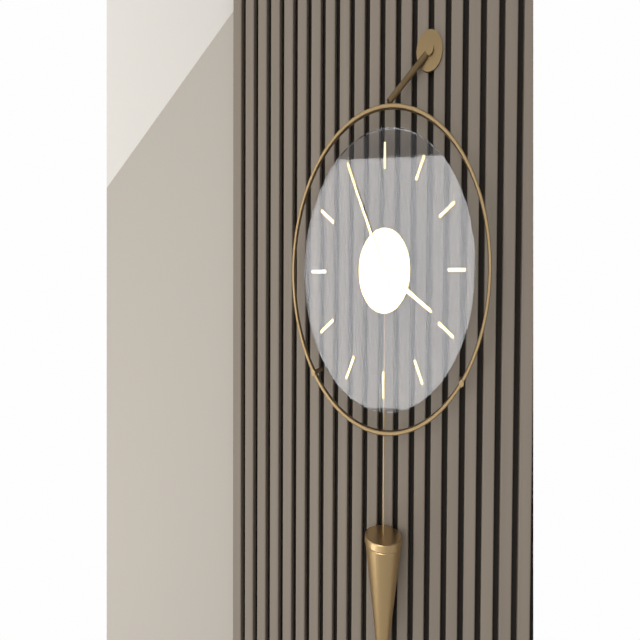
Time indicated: 3:55
